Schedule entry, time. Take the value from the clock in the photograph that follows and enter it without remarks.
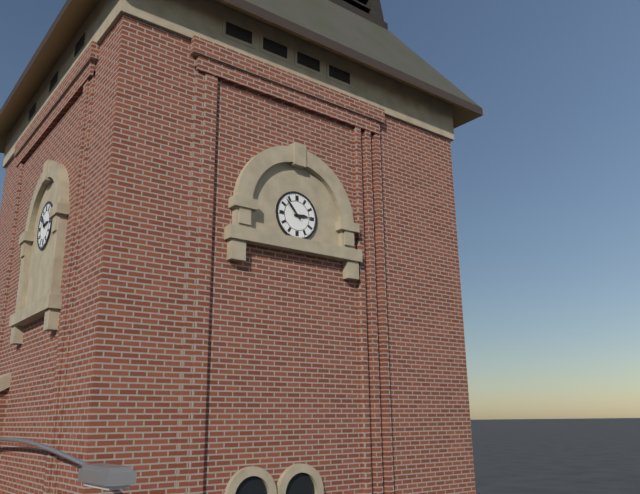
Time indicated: 2:53
